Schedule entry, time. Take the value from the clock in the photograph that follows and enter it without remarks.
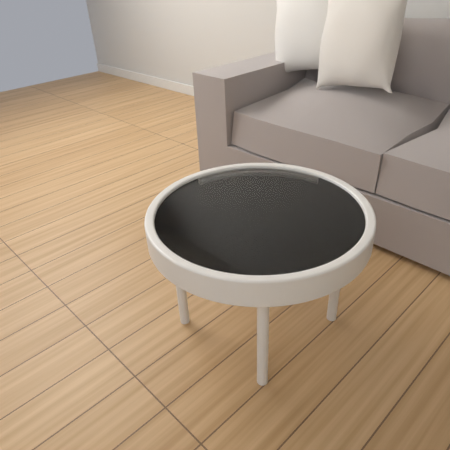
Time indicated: 8:48
